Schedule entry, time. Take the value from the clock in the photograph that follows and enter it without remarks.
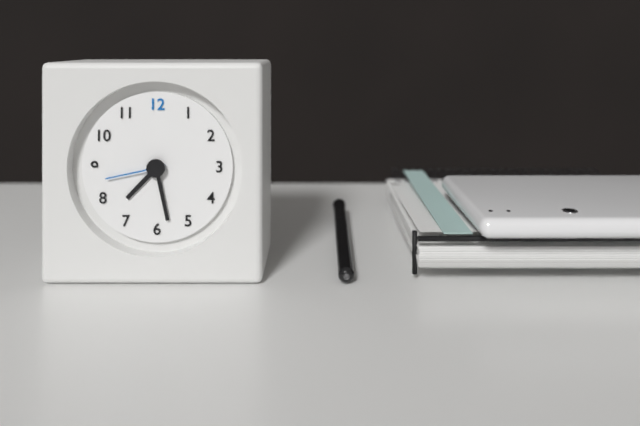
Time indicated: 7:28:43
